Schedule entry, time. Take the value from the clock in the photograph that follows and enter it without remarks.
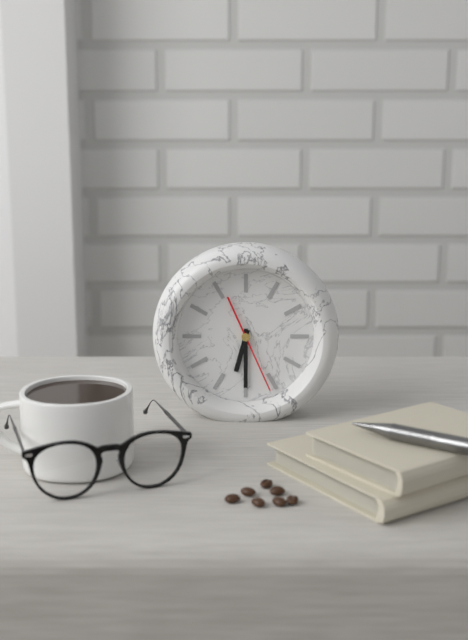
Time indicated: 6:30:26
